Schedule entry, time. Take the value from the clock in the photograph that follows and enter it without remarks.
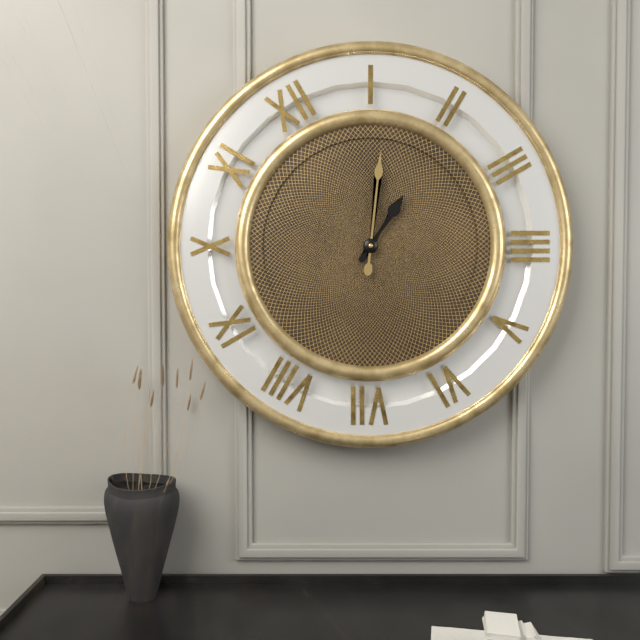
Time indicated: 2:06
